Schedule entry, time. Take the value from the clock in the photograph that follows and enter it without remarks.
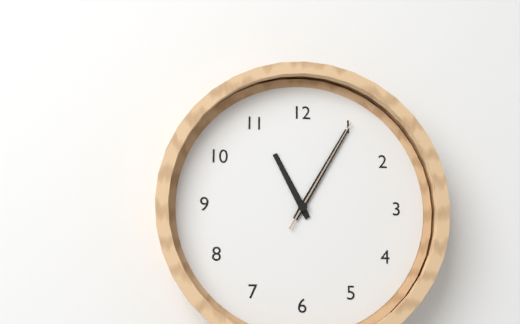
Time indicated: 11:05:05
